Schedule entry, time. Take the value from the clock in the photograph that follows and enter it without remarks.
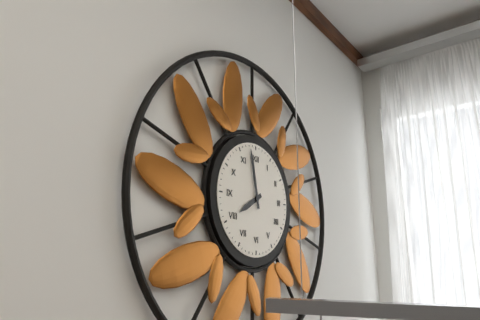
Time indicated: 7:58
